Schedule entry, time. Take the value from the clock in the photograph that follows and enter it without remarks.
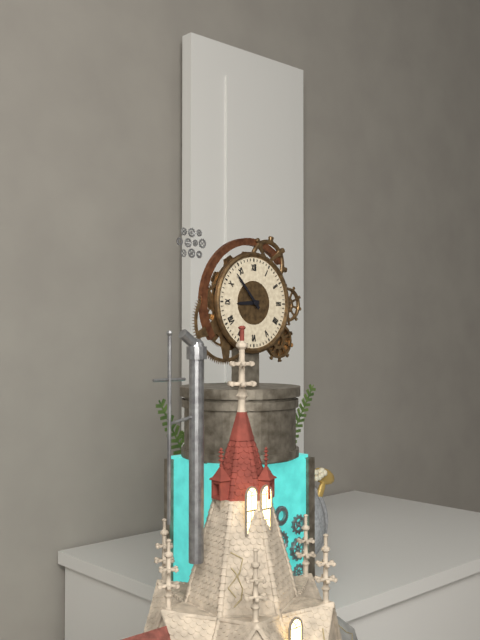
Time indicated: 8:53
